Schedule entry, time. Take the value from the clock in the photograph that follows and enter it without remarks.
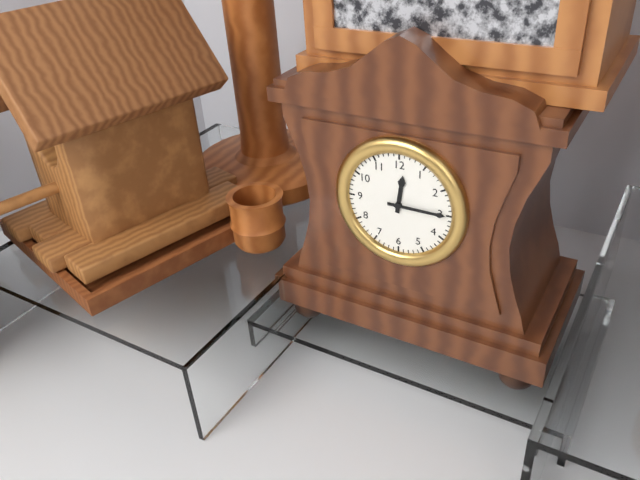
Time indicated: 12:15
